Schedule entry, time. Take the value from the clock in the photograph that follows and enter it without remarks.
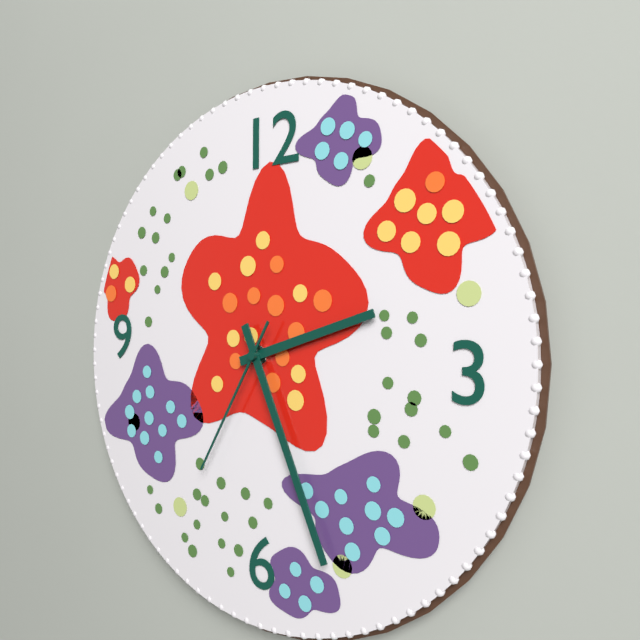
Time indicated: 2:26:35
